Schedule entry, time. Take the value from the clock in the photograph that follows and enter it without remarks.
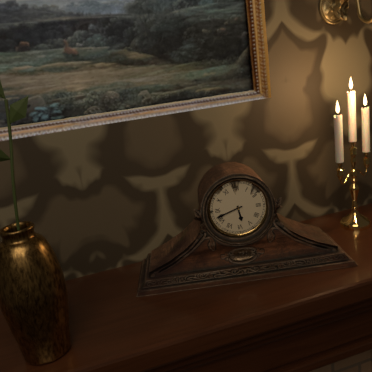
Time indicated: 5:42
